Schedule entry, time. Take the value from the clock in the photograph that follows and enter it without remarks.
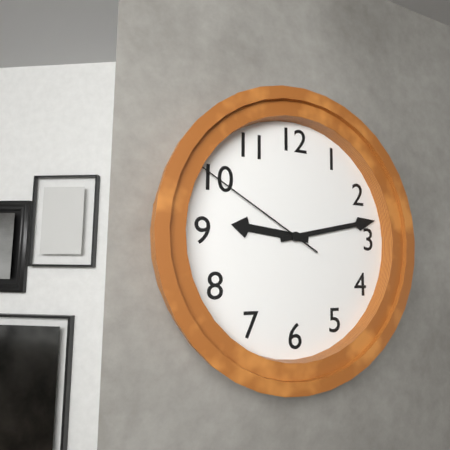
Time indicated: 9:13:50
